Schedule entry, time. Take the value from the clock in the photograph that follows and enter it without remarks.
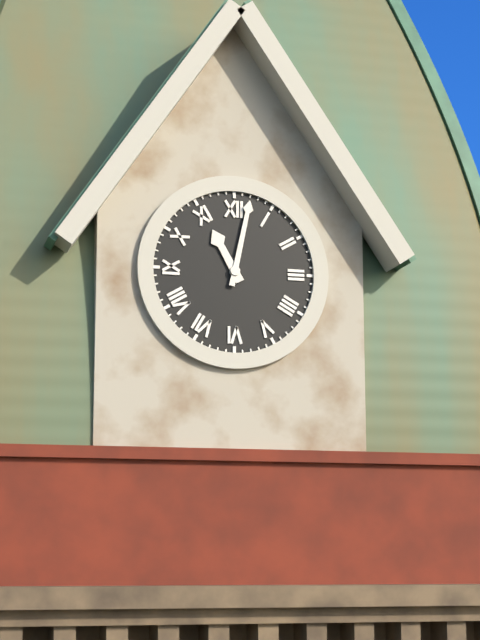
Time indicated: 11:02
